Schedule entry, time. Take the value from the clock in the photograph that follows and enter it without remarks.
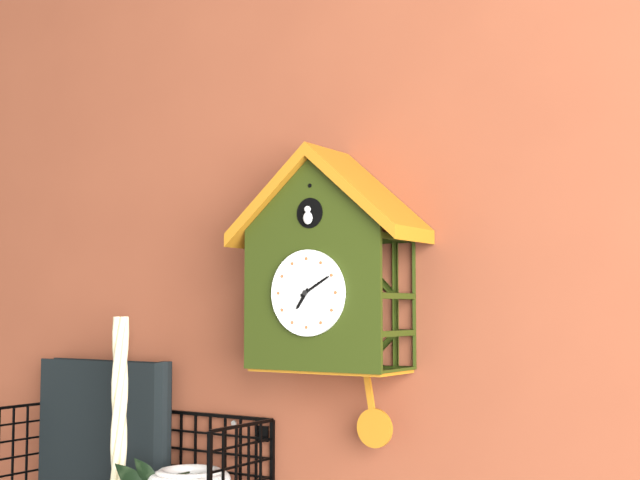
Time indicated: 7:10
